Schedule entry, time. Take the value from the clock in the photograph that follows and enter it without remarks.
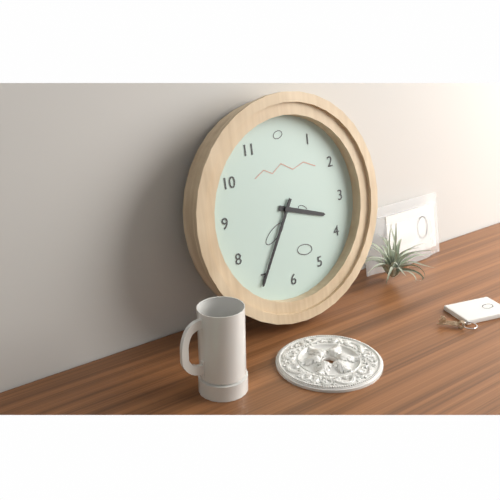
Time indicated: 3:35
